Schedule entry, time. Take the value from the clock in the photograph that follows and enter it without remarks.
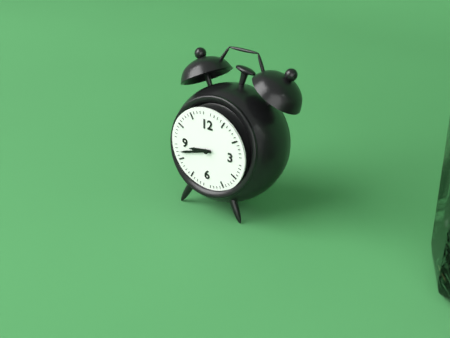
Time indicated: 8:42
